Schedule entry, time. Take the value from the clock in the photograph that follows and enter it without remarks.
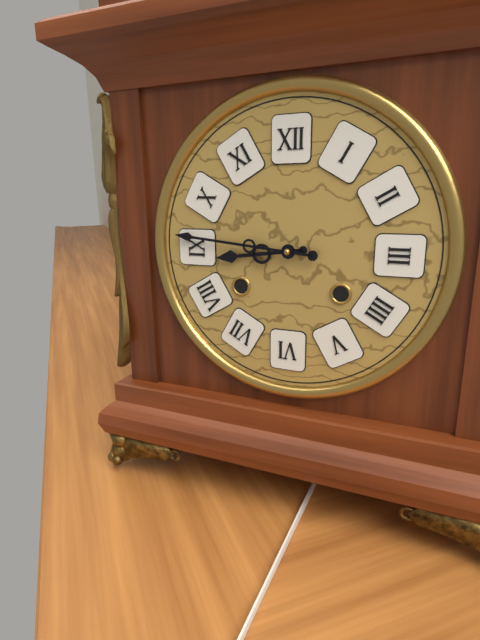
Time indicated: 8:46
